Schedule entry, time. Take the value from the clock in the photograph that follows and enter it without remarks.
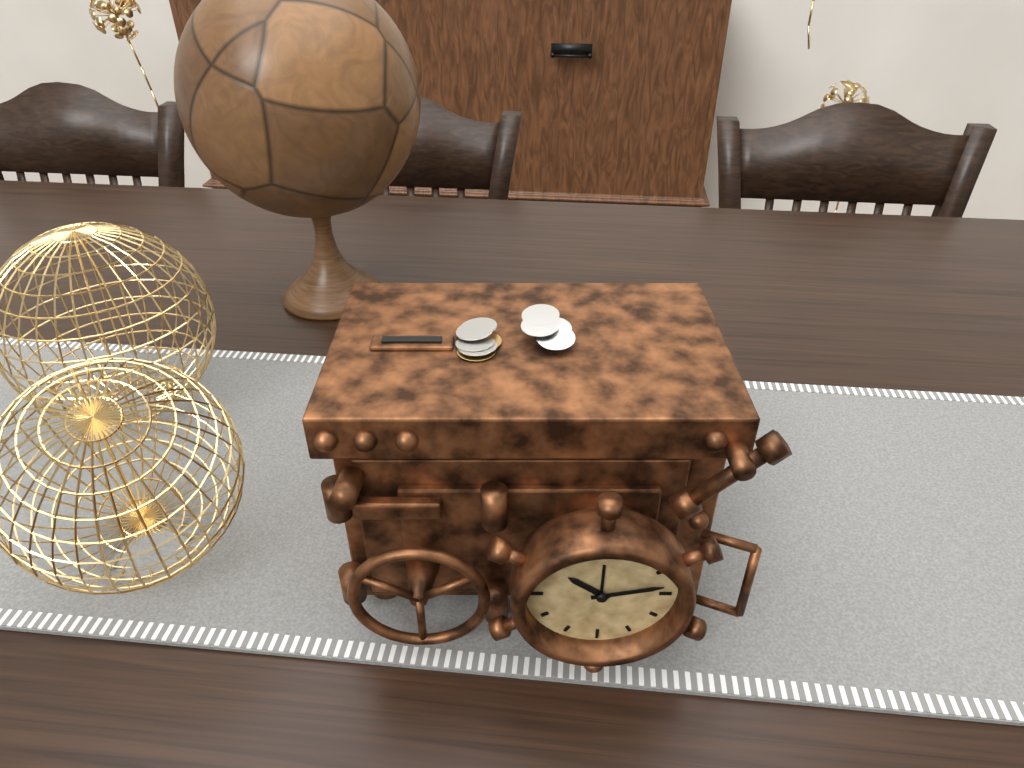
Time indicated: 10:13
